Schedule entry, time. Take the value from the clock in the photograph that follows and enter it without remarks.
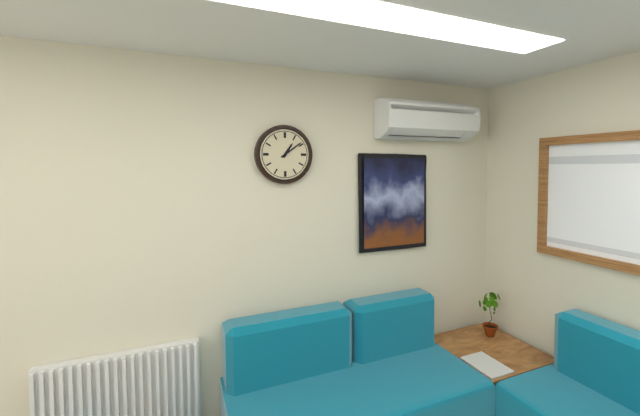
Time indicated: 1:09
